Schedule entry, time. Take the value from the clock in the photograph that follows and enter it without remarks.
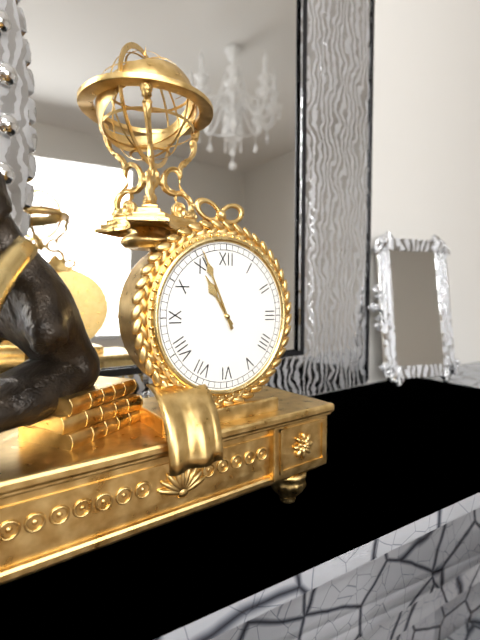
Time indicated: 10:56
